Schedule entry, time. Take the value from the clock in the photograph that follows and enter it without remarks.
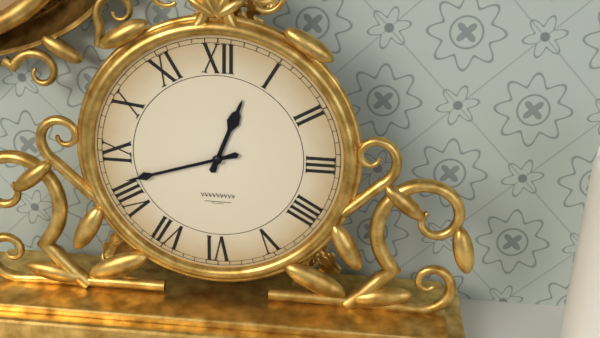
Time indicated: 12:42
